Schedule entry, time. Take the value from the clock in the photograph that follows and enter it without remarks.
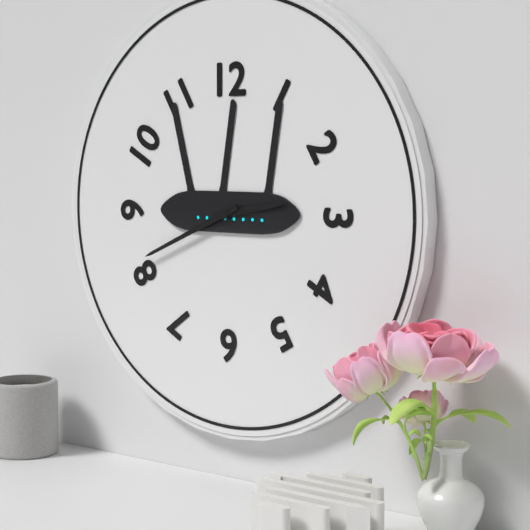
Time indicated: 2:41
